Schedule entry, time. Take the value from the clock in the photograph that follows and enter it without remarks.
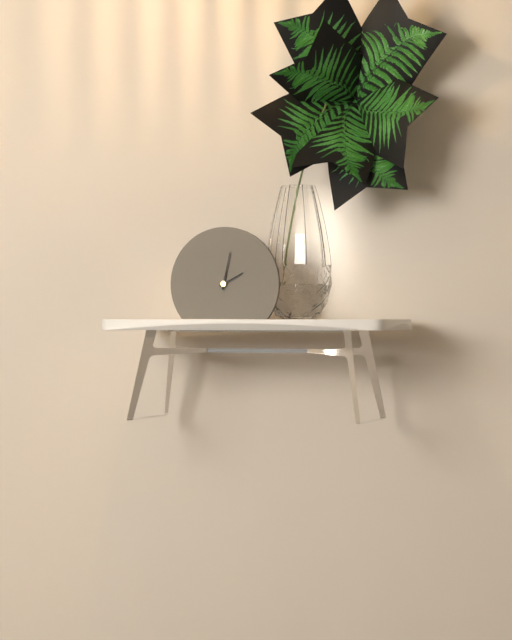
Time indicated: 2:02
